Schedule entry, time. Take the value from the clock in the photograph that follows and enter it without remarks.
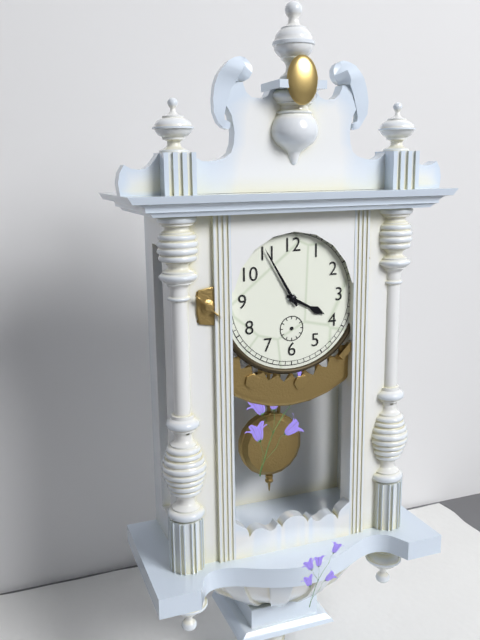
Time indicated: 3:55
